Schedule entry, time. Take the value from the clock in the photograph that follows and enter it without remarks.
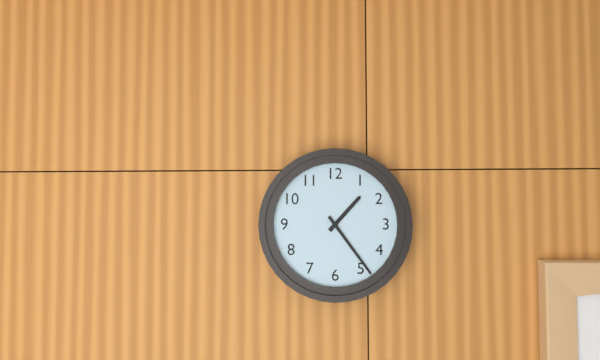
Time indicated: 1:24
